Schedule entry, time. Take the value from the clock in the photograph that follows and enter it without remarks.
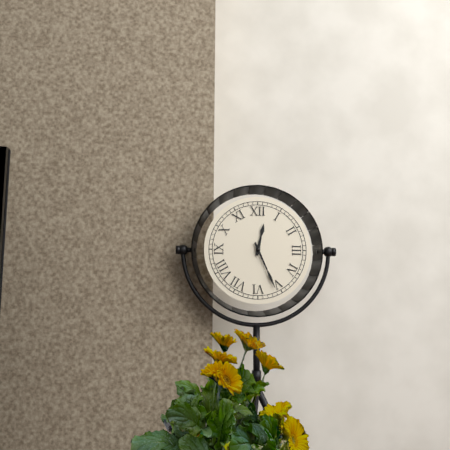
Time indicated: 12:26
